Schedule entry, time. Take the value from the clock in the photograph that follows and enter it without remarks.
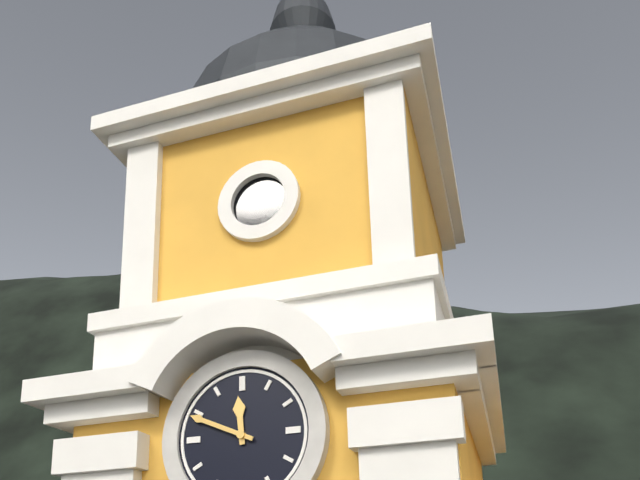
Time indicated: 11:49
